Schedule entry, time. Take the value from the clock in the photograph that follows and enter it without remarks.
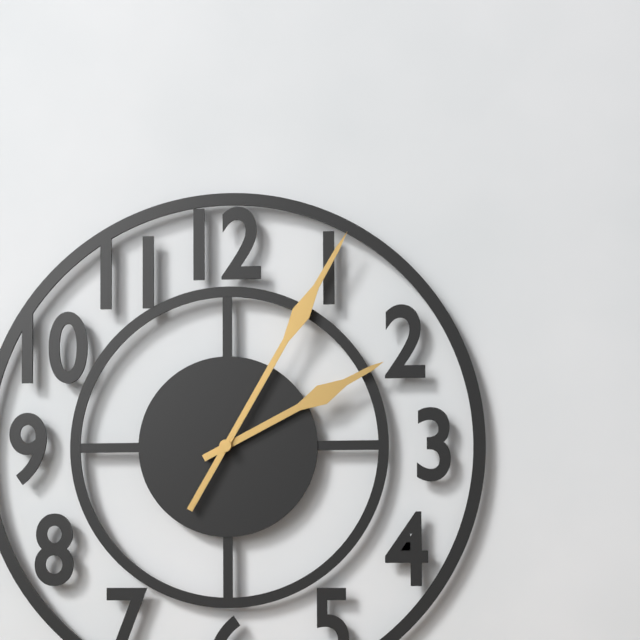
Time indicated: 2:05
